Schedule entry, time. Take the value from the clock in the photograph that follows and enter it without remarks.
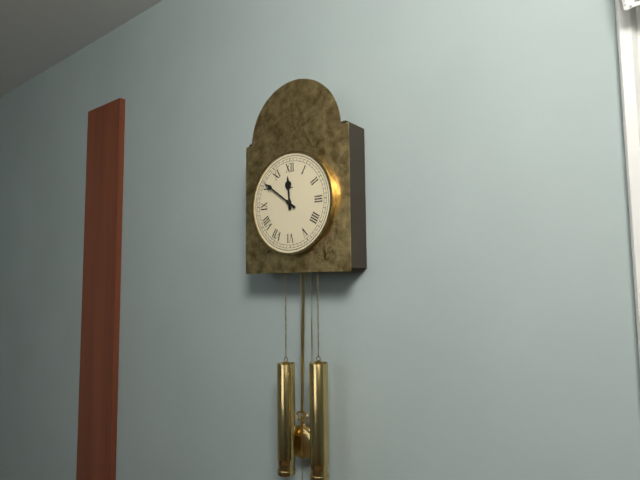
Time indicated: 11:51
